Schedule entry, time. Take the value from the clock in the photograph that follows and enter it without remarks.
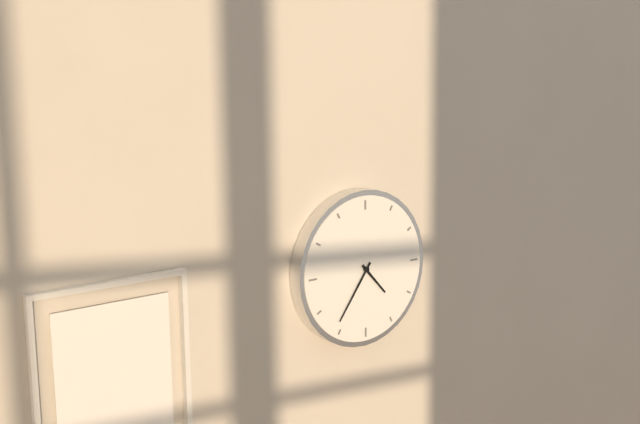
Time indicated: 4:36
